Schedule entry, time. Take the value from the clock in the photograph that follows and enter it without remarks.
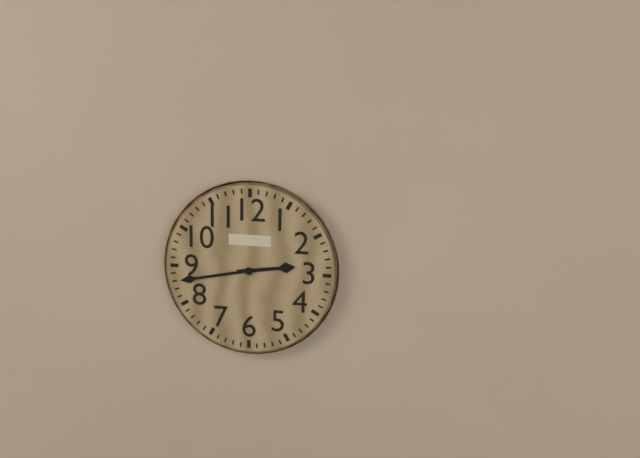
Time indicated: 2:43
